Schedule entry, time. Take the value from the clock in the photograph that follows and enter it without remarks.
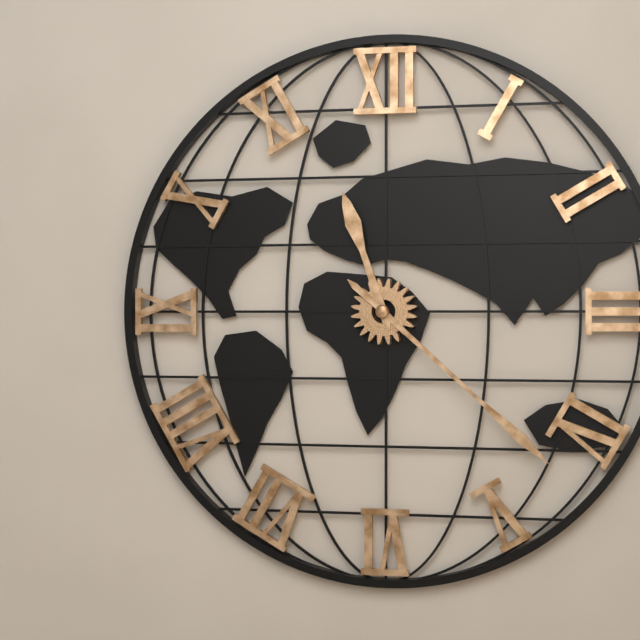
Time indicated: 11:22
